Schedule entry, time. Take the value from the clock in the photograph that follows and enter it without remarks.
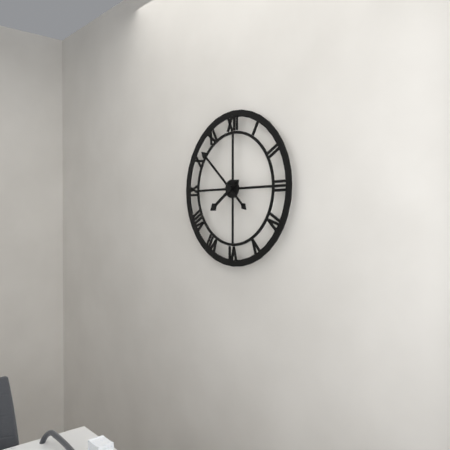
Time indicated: 7:52
